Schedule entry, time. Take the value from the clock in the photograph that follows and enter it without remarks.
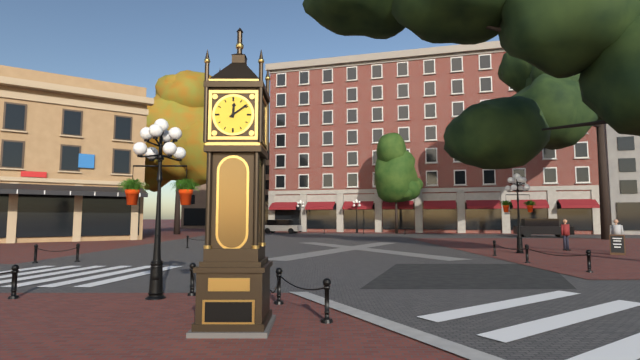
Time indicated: 12:09
